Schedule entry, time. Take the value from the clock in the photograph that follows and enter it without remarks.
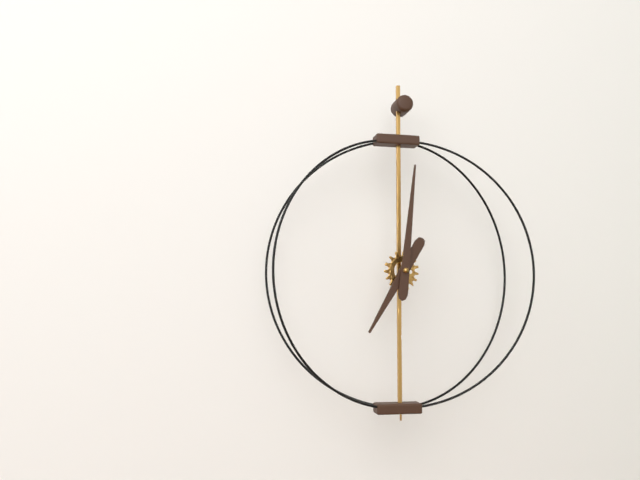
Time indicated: 7:01
